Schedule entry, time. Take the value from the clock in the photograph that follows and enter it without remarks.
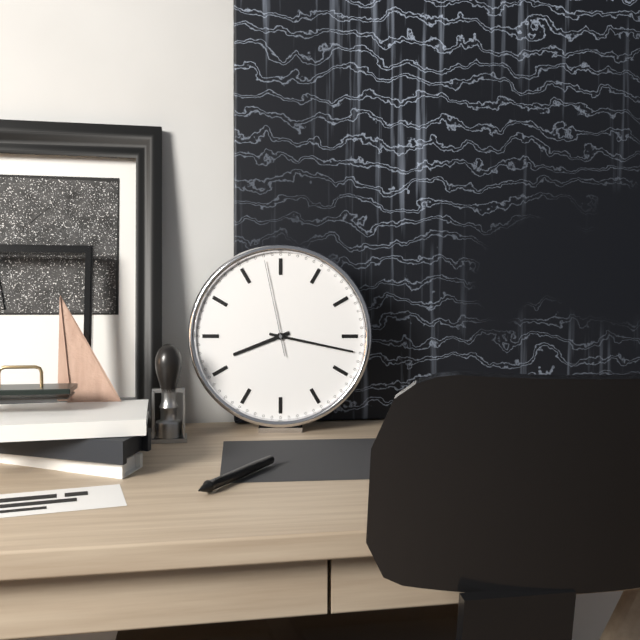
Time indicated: 8:17:58
